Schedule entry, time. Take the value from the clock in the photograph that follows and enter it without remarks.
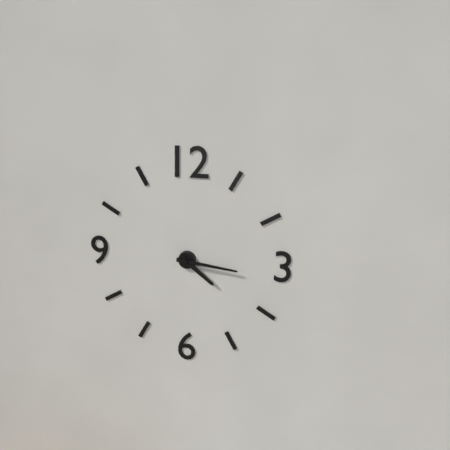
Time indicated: 4:16
